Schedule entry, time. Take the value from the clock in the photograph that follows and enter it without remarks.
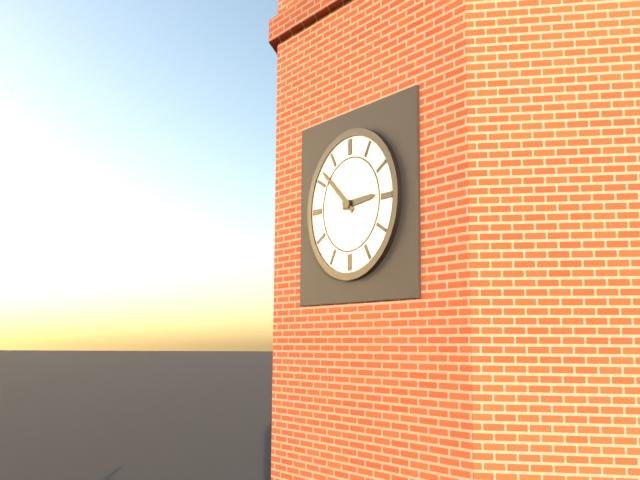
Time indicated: 2:52
